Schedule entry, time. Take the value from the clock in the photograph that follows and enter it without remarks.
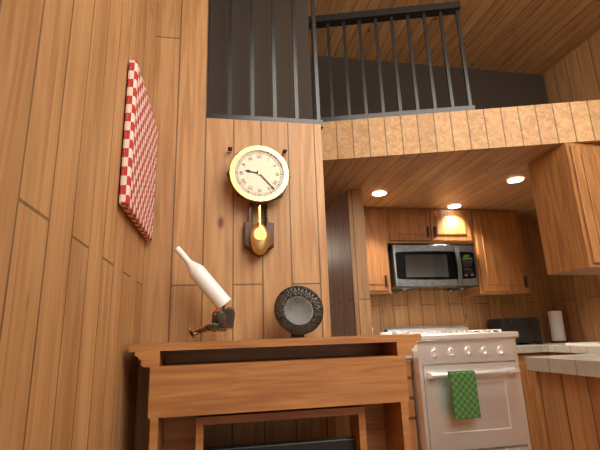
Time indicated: 9:23
